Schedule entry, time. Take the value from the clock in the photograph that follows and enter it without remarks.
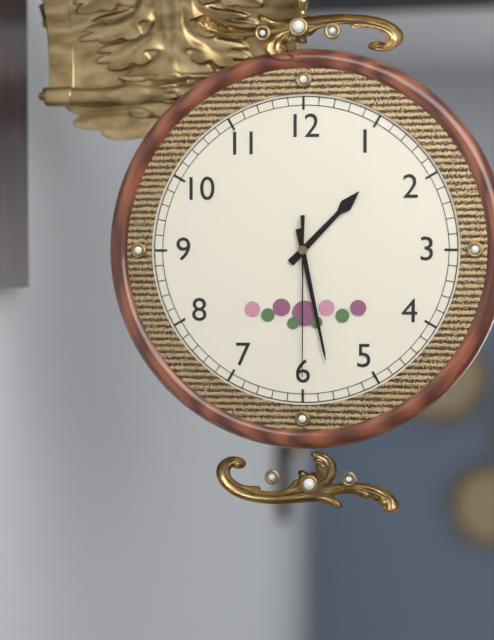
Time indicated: 1:28:30
